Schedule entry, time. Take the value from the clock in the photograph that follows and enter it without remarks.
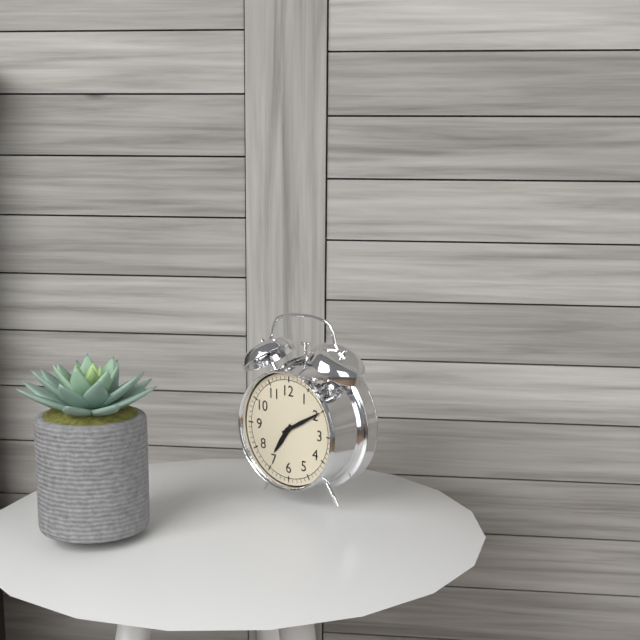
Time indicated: 7:10
